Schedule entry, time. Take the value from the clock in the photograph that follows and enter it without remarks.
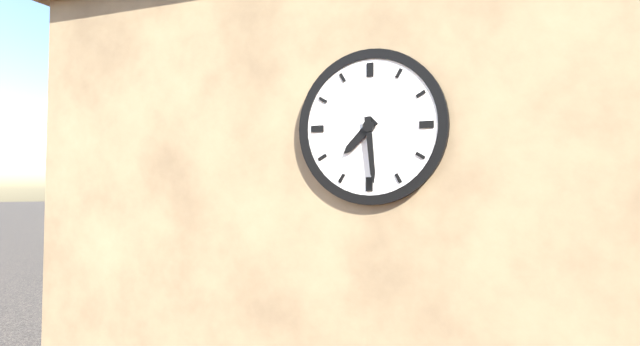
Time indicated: 7:29
